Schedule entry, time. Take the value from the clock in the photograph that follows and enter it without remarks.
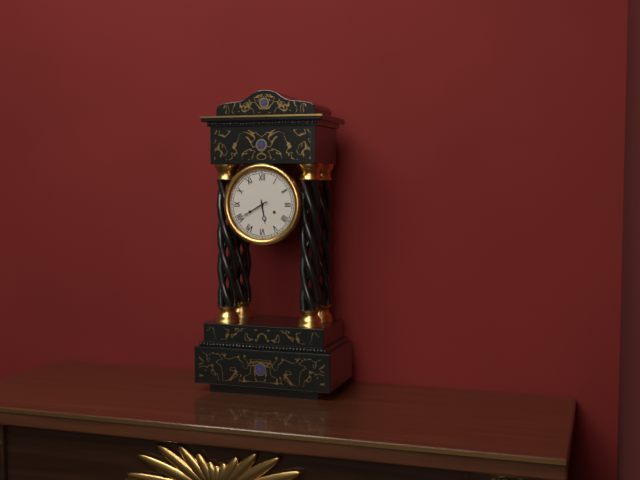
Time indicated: 5:40
